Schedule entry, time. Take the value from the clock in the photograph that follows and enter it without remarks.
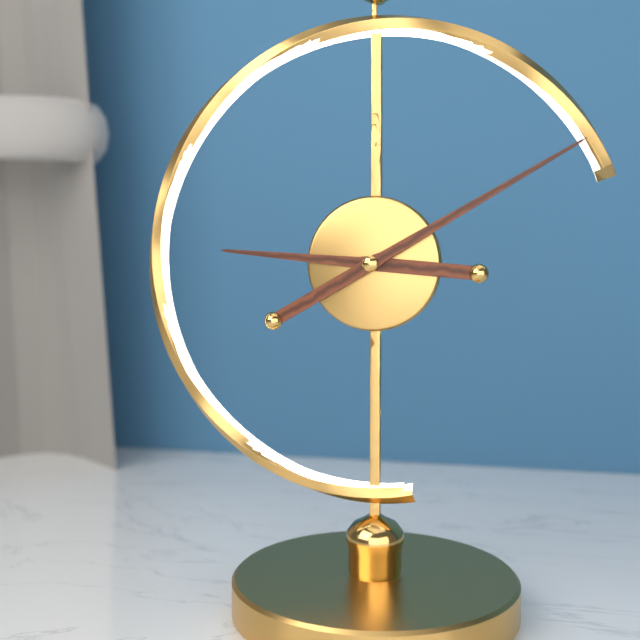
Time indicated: 9:10
